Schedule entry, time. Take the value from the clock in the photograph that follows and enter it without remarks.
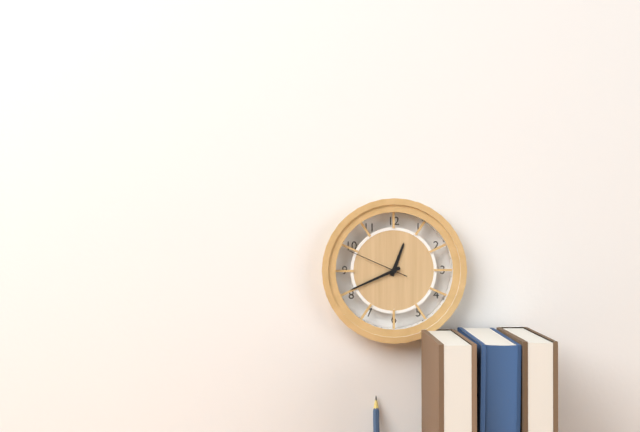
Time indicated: 12:41:49
